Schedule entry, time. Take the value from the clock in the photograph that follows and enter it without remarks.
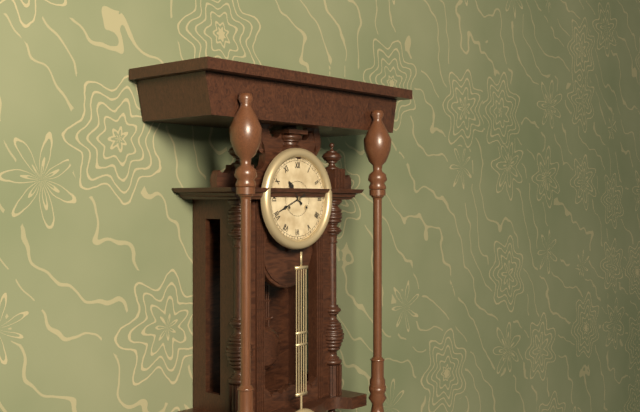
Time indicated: 10:41
